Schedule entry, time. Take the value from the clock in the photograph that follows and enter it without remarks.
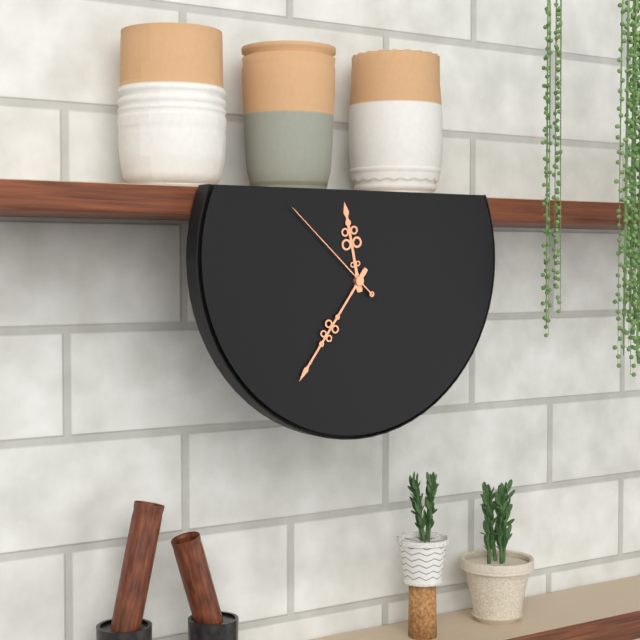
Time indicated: 11:36:52
